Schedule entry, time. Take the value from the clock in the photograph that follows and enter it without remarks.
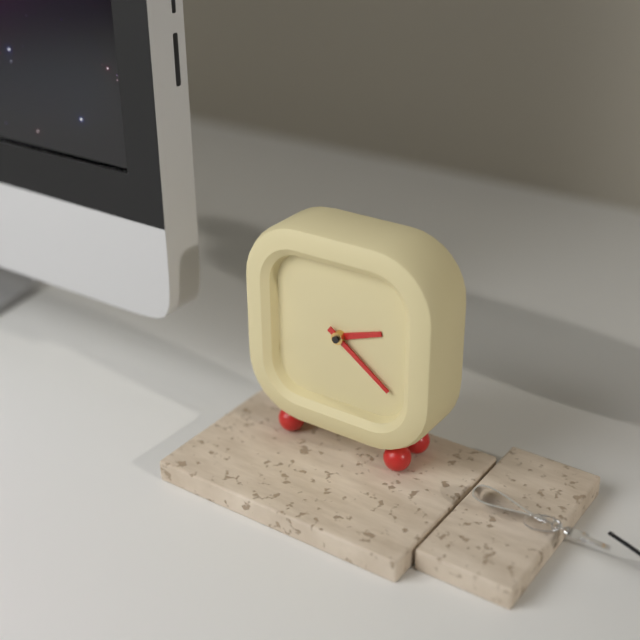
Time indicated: 2:21
